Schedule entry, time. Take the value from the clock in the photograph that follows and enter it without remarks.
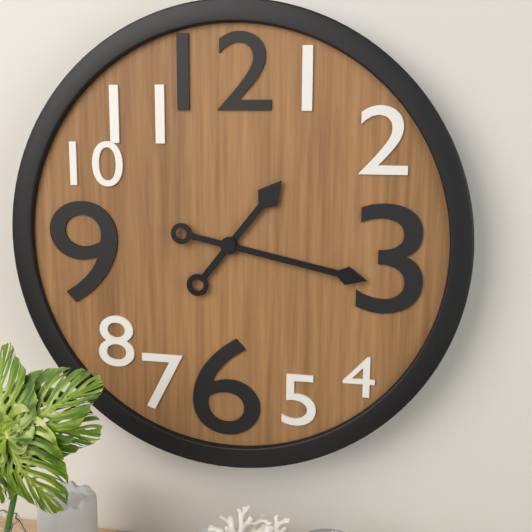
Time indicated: 1:17
